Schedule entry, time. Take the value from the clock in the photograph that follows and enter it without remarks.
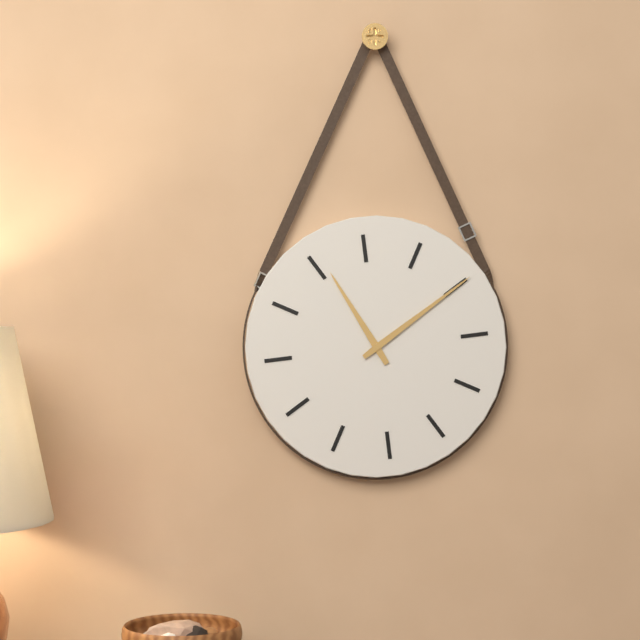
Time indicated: 11:10
